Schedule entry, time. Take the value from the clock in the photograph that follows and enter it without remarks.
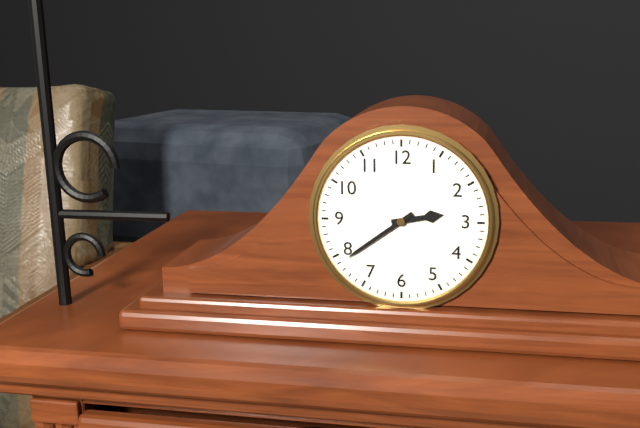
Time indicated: 2:39
